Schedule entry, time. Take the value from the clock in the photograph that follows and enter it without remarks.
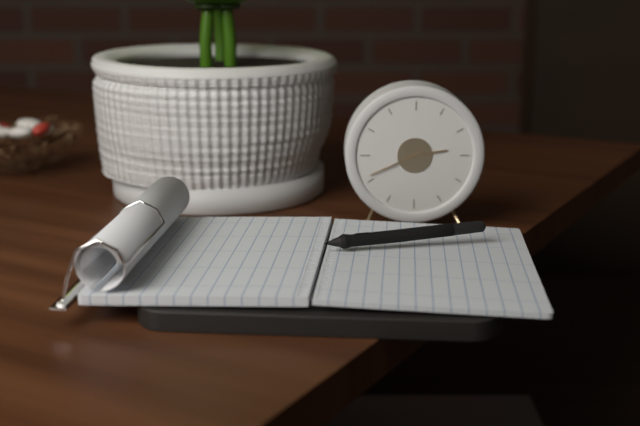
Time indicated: 2:41
